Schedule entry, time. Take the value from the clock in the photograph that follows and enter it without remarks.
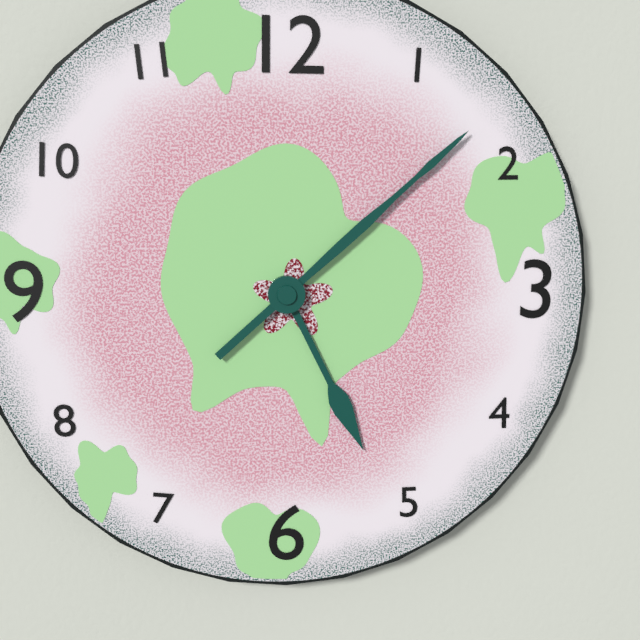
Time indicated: 5:08
